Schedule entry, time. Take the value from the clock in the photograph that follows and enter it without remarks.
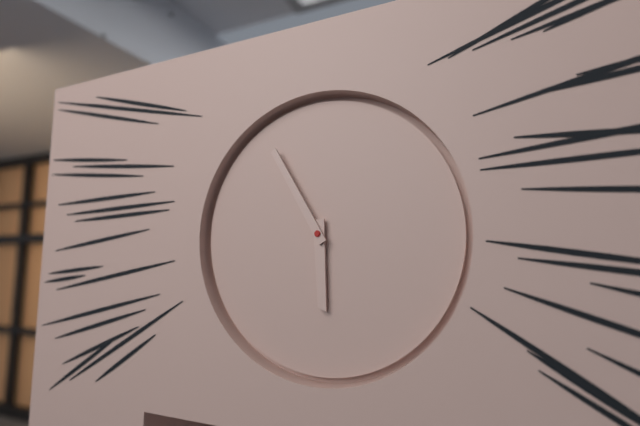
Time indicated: 5:55
